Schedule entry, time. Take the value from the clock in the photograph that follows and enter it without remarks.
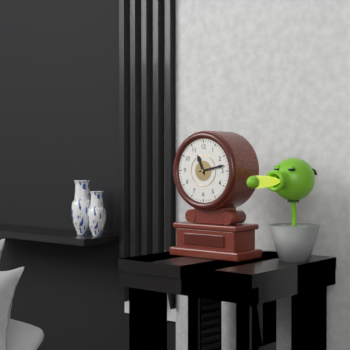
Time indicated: 11:13
